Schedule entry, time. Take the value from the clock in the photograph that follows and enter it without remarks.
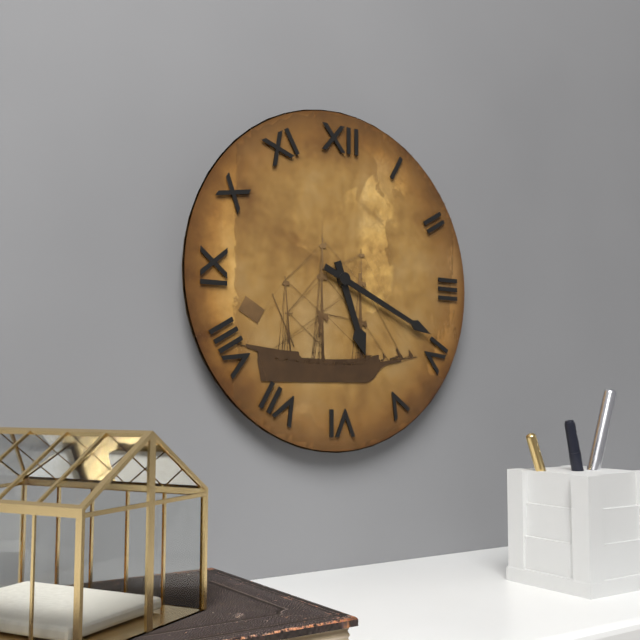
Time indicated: 5:19
